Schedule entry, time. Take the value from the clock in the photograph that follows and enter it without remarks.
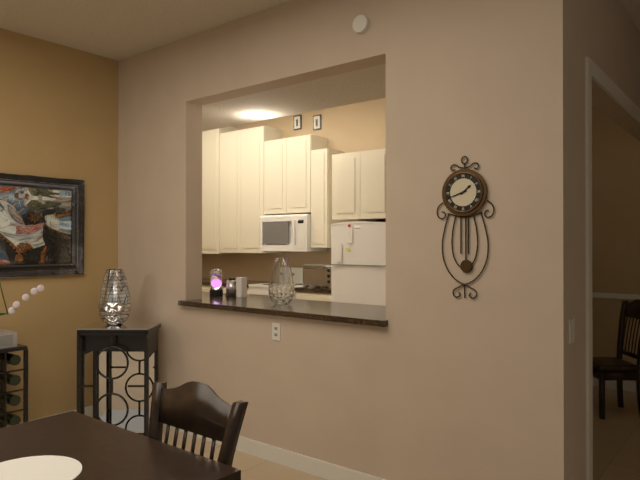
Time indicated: 1:42
